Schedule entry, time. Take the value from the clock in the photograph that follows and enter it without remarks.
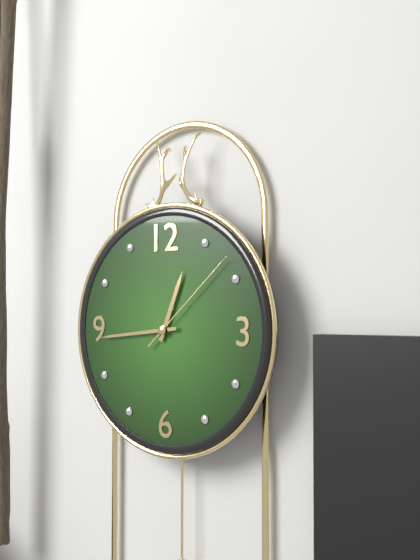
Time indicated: 12:44:08
